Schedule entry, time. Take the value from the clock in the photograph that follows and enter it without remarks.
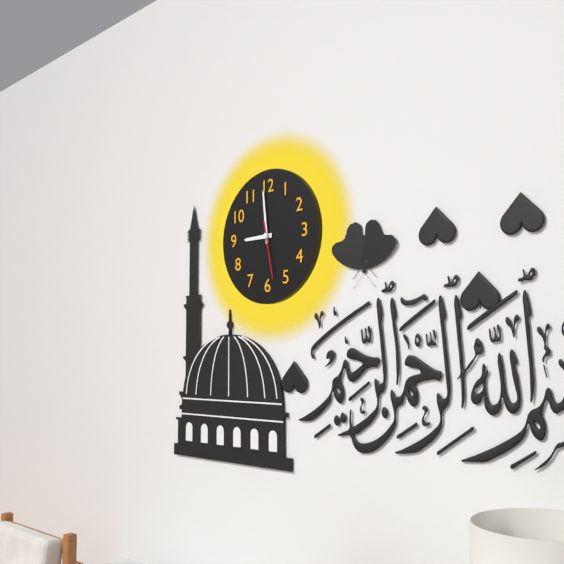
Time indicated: 8:59:28
